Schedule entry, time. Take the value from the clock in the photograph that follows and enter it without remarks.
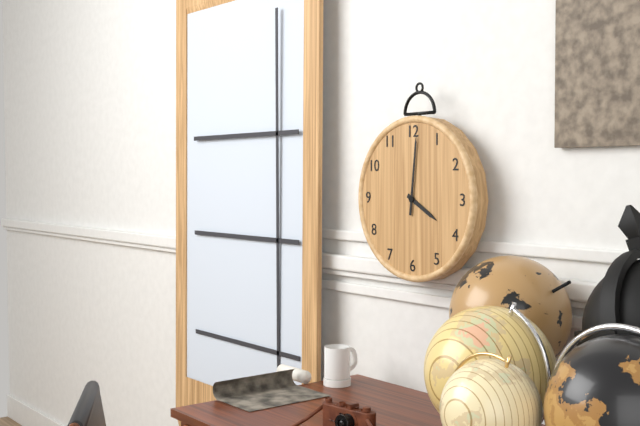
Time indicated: 4:01
